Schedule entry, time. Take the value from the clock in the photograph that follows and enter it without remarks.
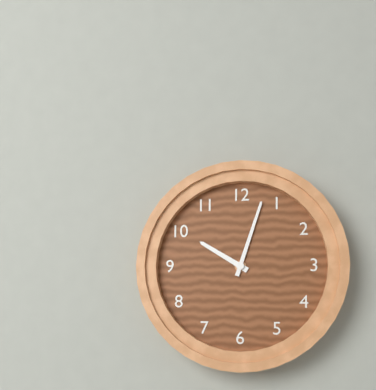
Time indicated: 10:03
